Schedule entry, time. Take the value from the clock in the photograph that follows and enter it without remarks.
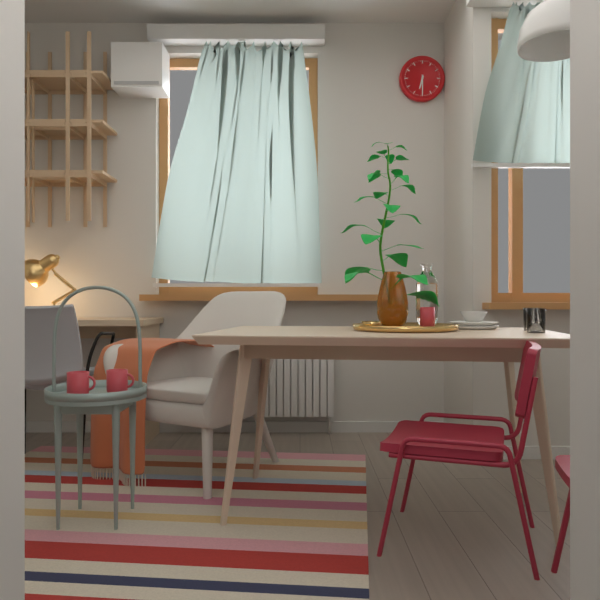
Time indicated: 6:30
